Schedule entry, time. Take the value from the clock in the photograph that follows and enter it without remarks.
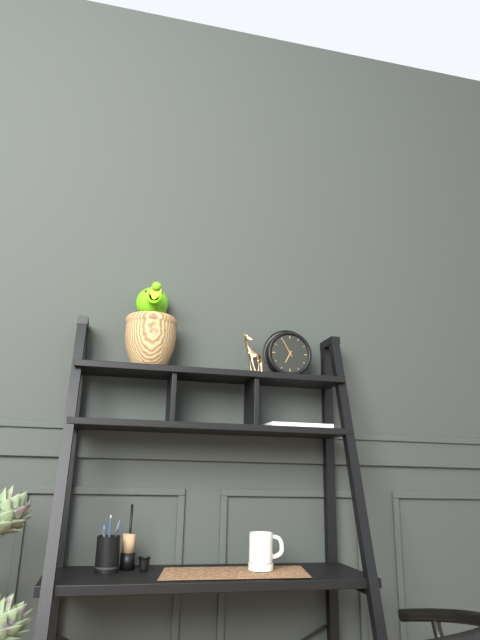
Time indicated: 6:55
